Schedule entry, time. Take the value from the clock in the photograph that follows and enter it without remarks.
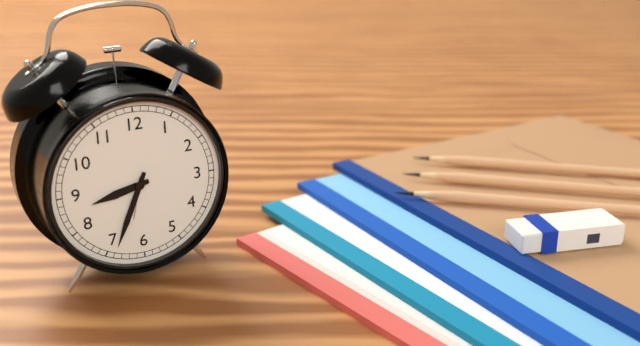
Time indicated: 8:34
